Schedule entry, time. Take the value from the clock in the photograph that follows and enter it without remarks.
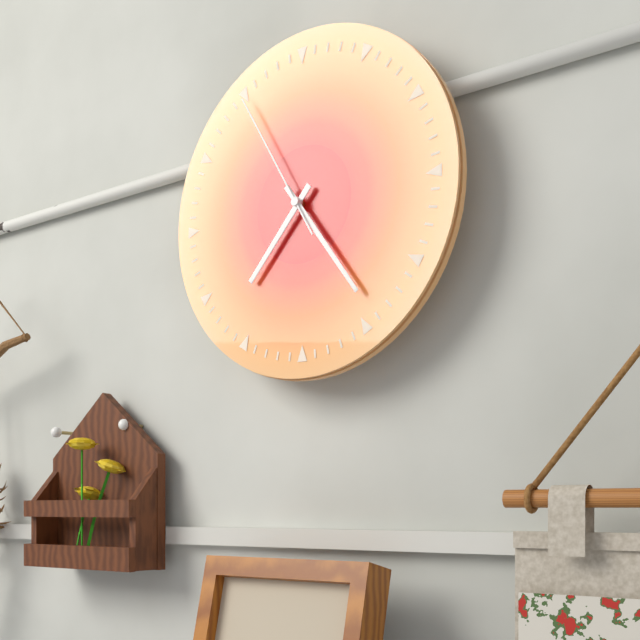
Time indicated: 7:24:55
